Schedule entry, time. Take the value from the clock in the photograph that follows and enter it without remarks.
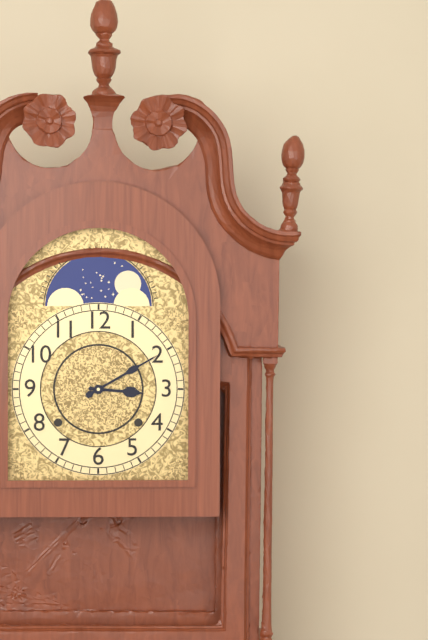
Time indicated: 3:10
